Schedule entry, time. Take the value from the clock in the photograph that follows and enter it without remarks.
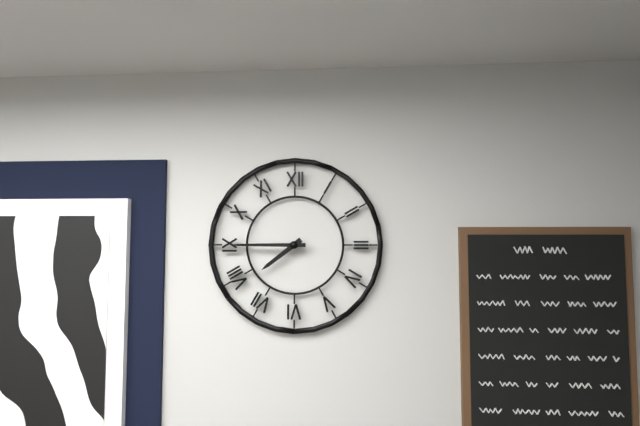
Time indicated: 7:45
